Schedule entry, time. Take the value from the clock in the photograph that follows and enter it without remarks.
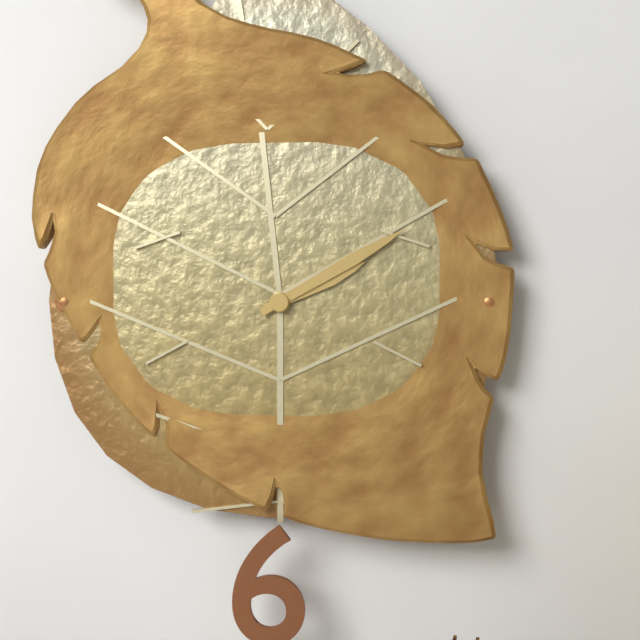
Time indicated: 2:10
